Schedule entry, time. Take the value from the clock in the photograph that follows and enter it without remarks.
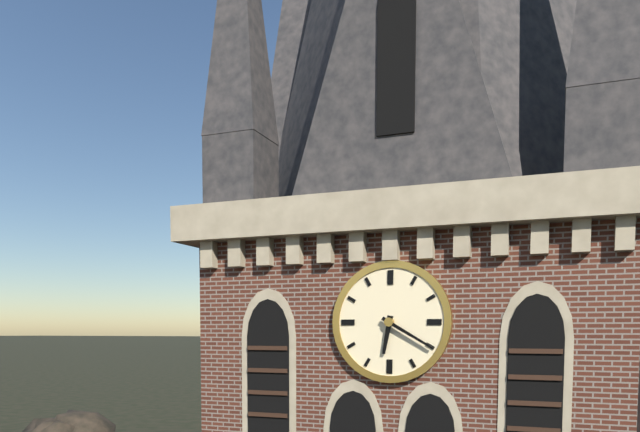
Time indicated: 6:20
